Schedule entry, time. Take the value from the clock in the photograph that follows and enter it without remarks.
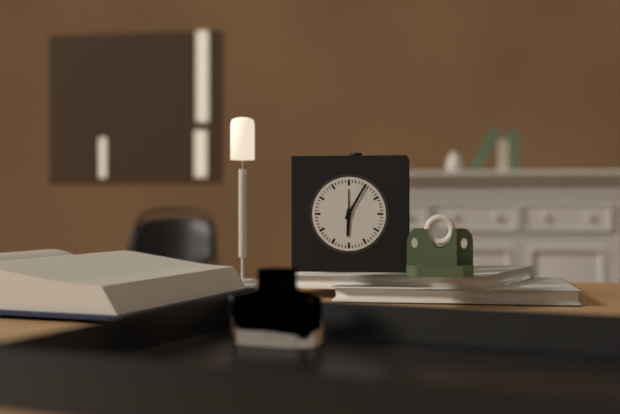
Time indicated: 6:05
